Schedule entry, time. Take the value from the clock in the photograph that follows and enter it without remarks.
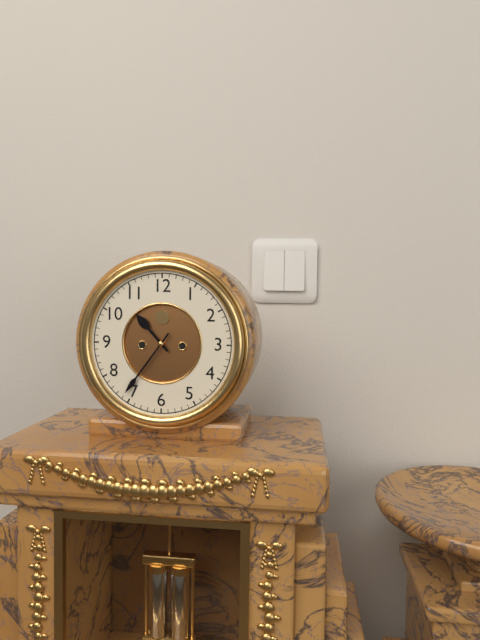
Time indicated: 10:36
